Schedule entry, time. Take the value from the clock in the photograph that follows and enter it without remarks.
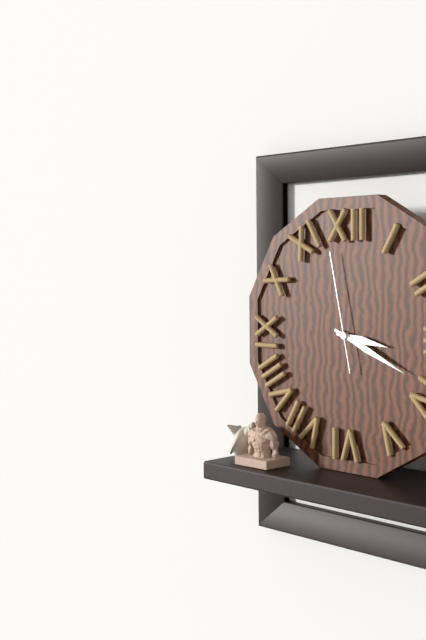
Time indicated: 3:19:58
